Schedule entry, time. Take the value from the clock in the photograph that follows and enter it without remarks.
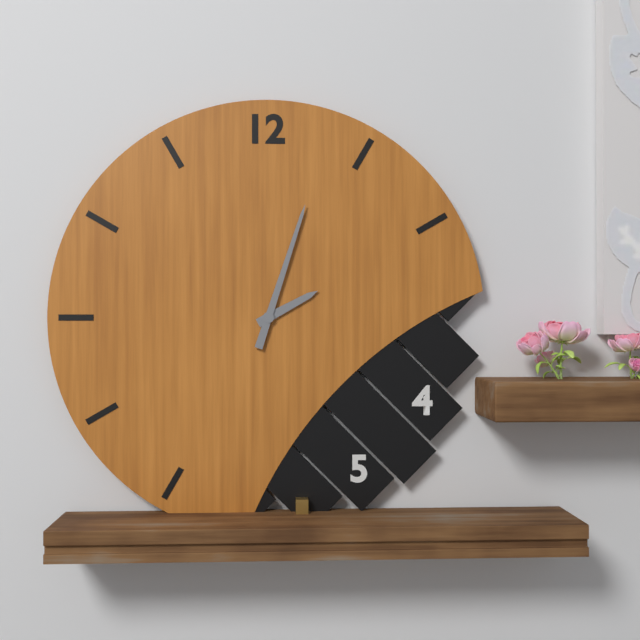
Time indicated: 2:03
